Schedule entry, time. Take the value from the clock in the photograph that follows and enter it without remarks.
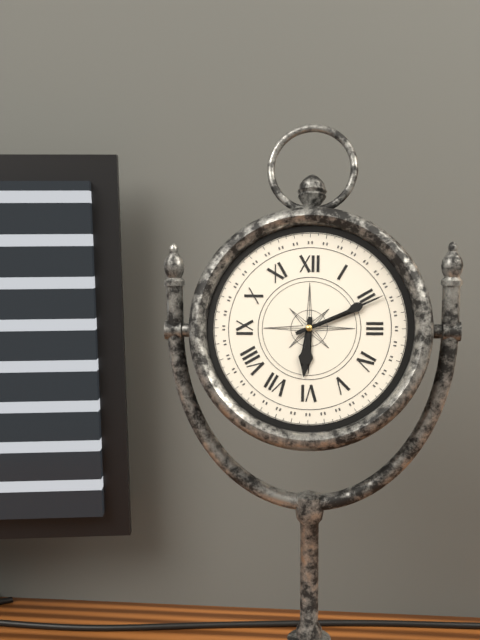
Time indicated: 6:11
